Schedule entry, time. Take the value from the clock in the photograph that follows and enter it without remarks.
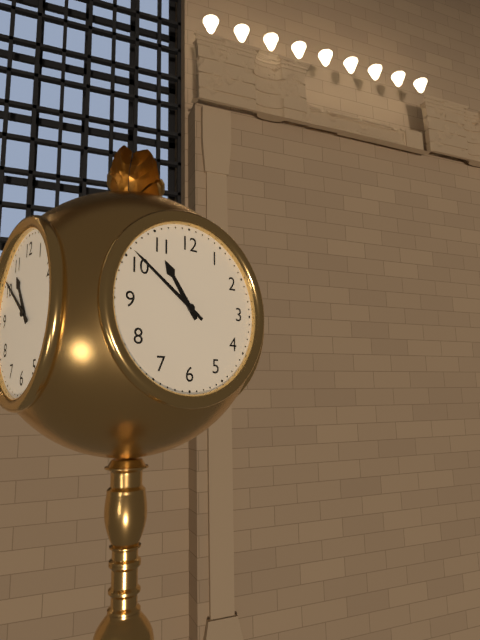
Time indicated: 10:51
